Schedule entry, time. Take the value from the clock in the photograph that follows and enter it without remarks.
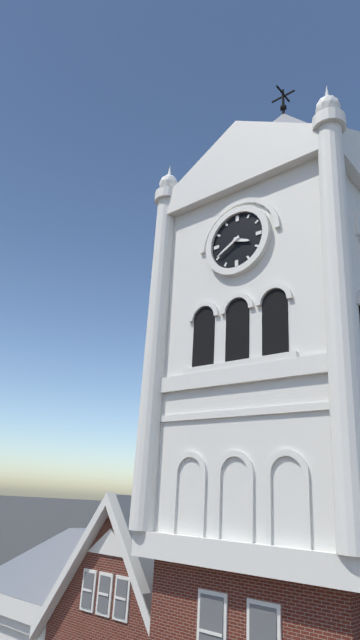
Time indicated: 3:40
